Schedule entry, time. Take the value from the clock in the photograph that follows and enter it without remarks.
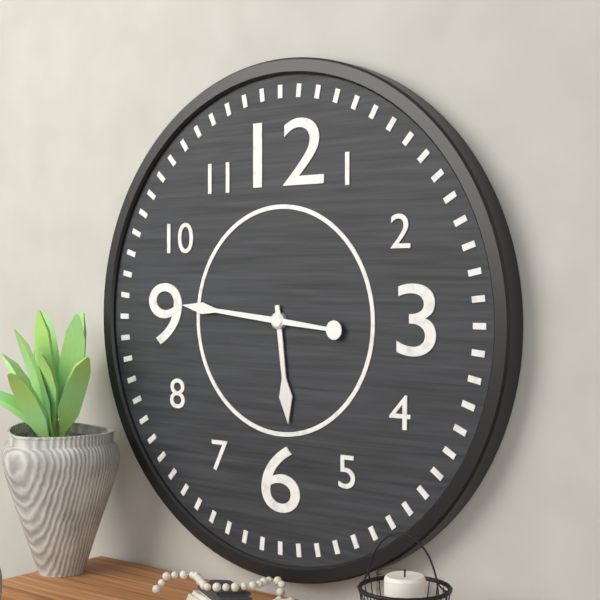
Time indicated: 5:46
